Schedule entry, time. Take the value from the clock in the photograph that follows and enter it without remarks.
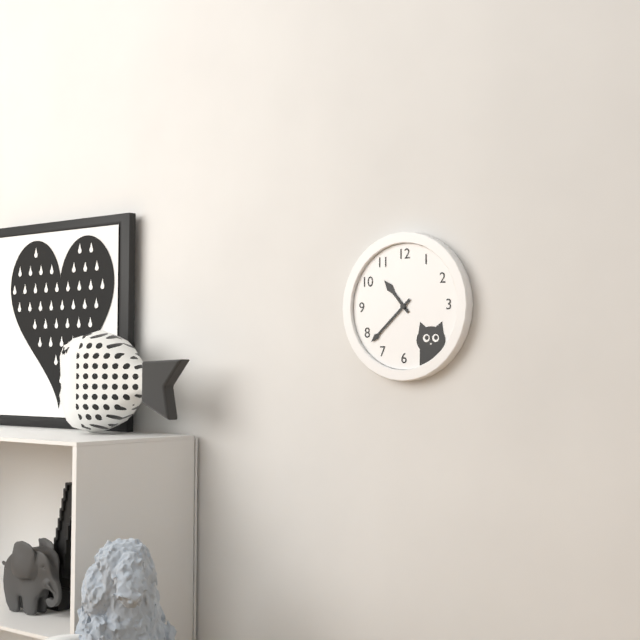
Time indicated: 10:38
